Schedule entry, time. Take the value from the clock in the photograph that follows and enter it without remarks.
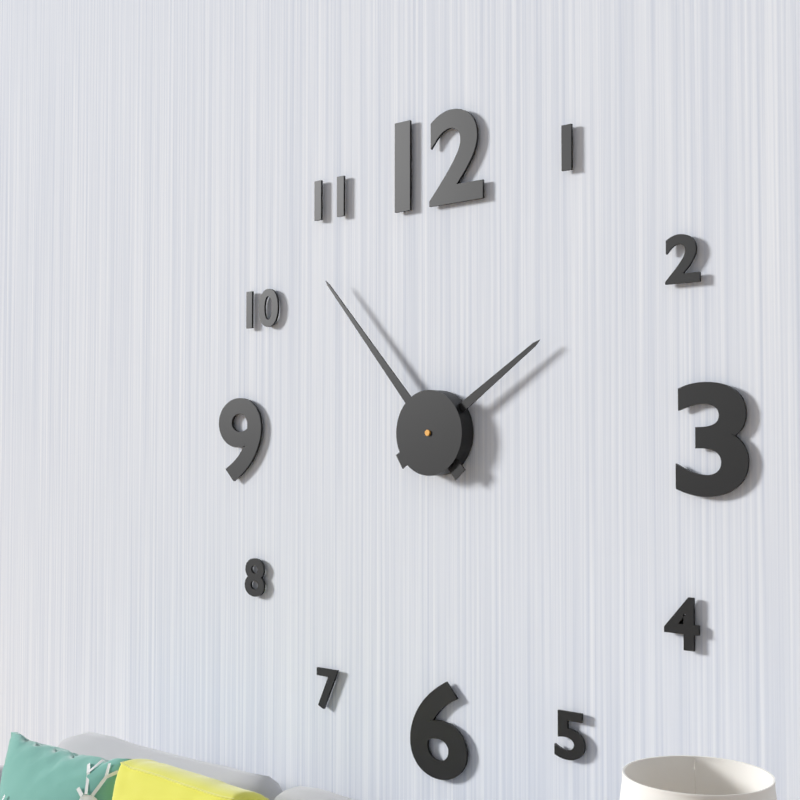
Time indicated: 1:53
